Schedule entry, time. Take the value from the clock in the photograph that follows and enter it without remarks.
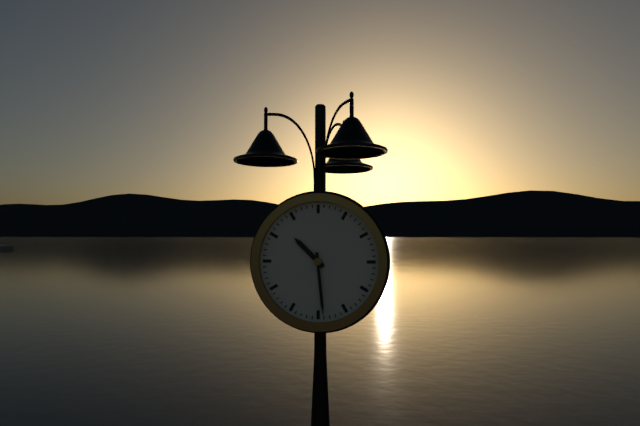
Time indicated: 10:29
